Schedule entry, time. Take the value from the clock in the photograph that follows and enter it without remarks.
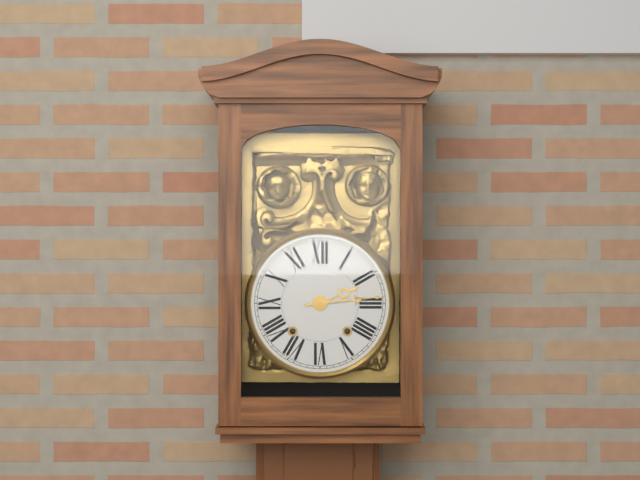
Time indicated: 2:14
